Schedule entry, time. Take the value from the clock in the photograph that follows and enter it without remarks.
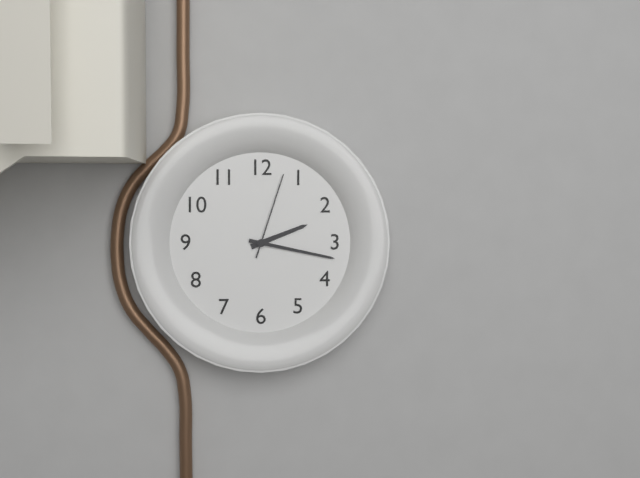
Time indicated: 2:17:03
